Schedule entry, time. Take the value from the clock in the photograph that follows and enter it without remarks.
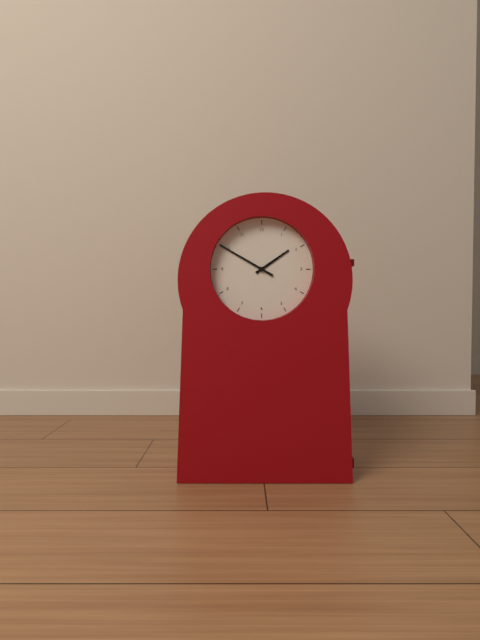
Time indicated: 1:50
